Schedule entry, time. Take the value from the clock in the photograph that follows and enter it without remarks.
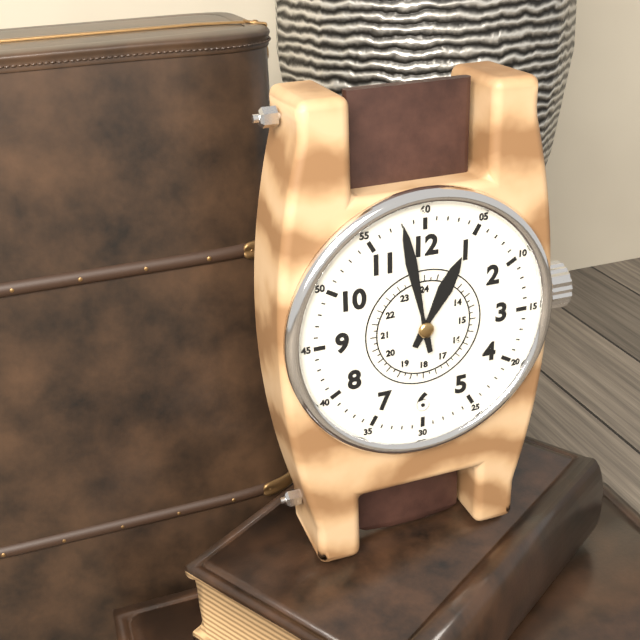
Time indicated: 12:58
